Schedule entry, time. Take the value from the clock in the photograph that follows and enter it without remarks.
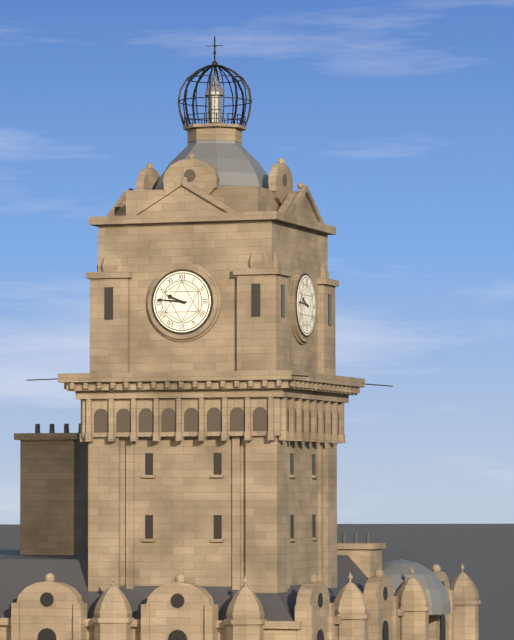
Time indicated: 9:46
